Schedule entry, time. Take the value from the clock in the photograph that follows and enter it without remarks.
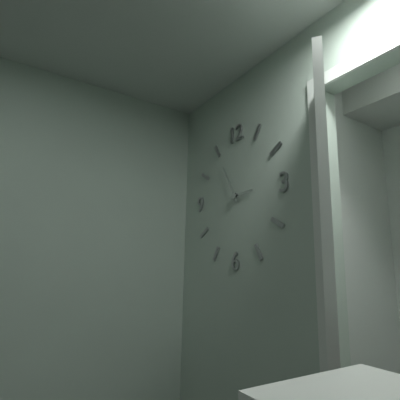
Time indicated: 2:55
